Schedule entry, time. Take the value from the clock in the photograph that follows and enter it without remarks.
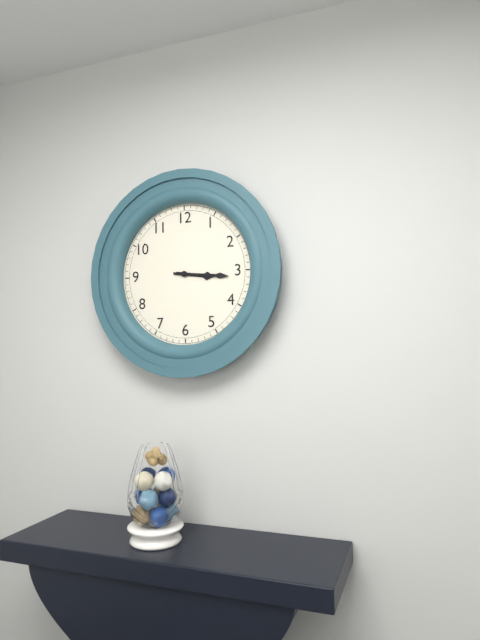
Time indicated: 3:16
